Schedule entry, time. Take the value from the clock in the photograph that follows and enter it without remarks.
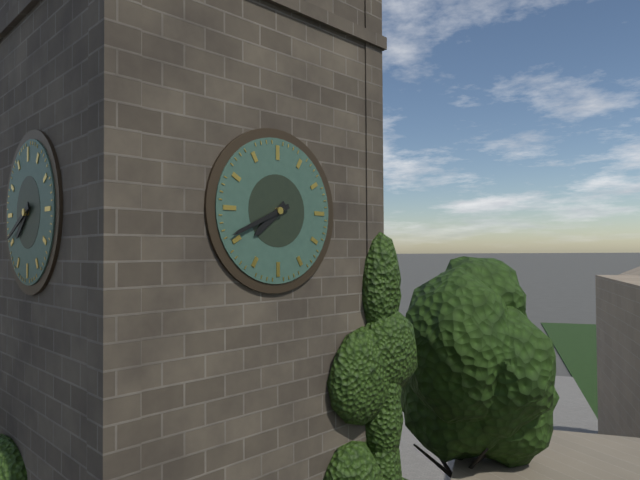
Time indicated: 7:41
